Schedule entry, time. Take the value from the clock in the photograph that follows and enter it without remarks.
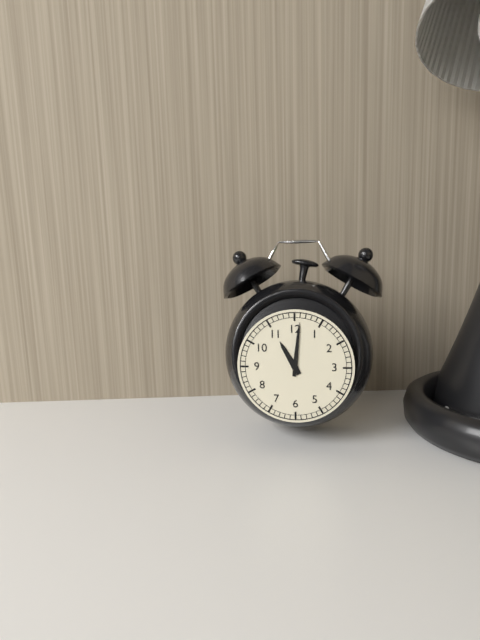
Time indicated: 11:01
